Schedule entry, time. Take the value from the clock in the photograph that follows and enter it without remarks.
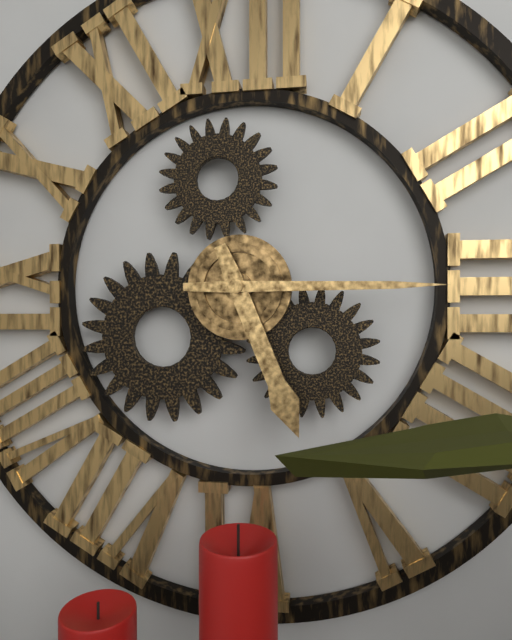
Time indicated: 5:15
